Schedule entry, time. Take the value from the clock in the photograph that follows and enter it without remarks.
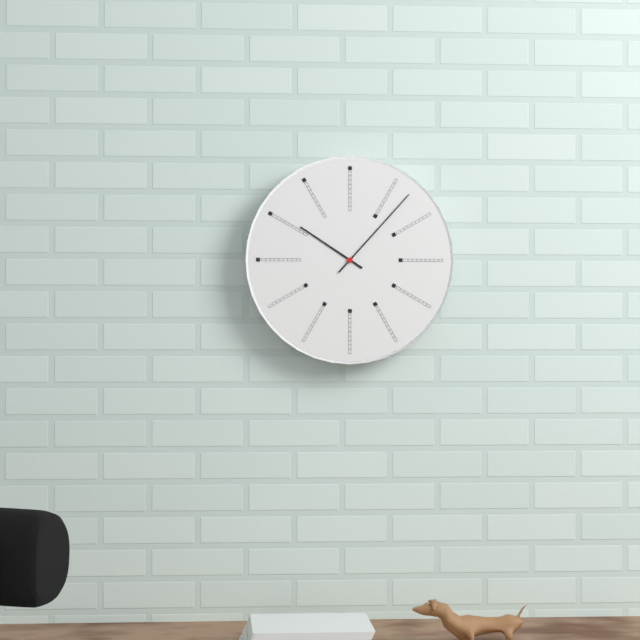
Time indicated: 10:07
